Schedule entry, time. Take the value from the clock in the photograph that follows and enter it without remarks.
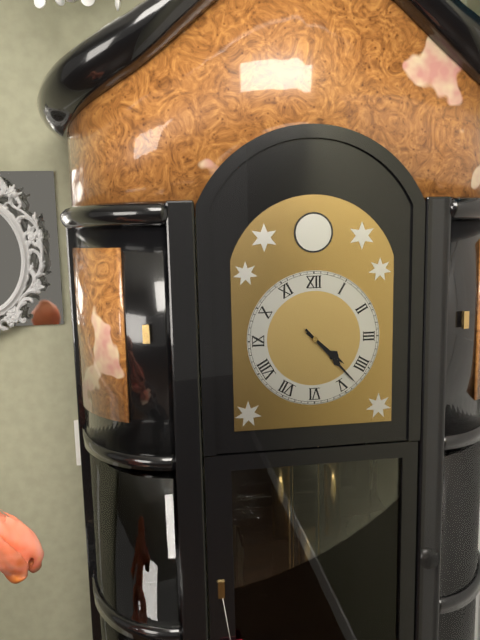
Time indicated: 4:23
